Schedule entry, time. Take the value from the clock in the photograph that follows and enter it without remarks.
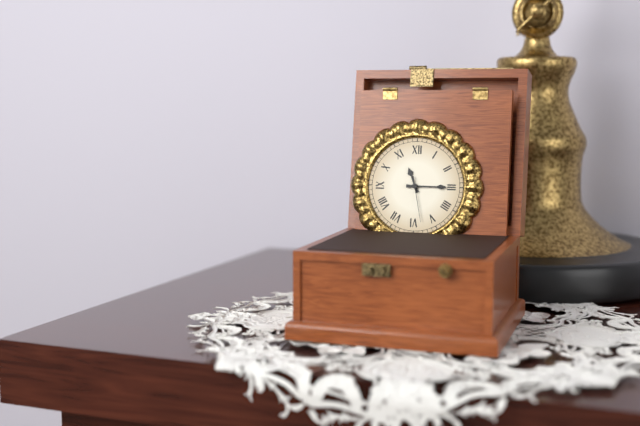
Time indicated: 11:15
